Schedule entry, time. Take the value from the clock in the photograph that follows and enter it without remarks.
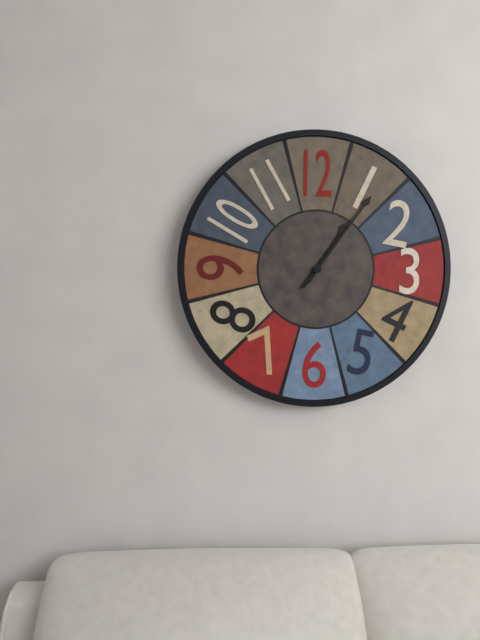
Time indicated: 1:06
